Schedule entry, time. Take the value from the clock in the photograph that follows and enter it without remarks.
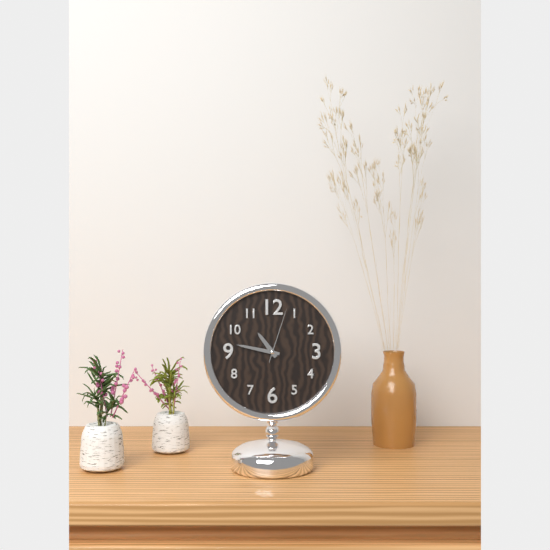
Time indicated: 10:47:03
